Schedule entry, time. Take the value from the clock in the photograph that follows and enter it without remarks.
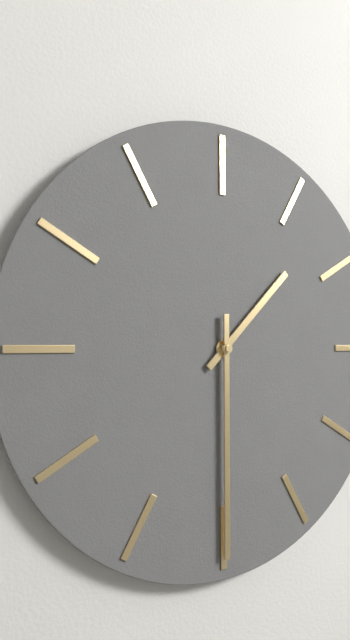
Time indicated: 1:30
